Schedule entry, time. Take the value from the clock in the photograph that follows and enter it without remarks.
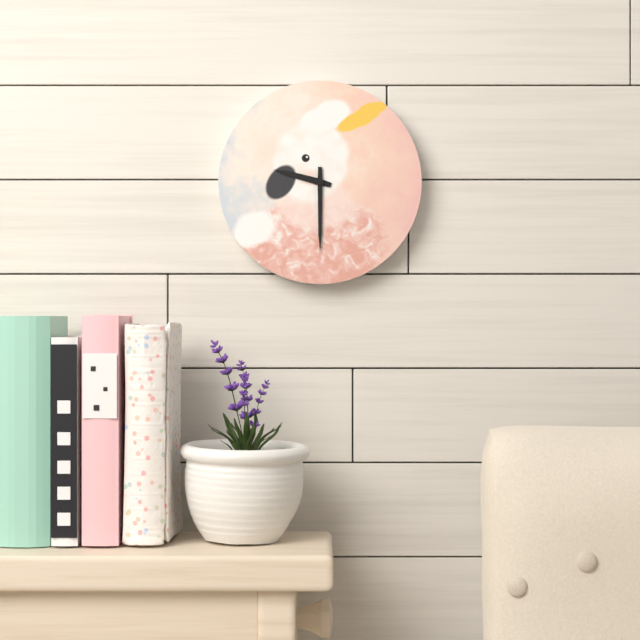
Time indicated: 9:30
